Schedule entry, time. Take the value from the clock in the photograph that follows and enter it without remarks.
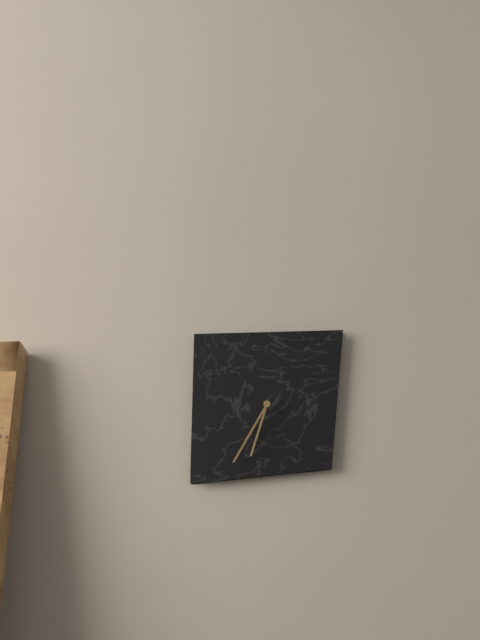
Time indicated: 6:35
